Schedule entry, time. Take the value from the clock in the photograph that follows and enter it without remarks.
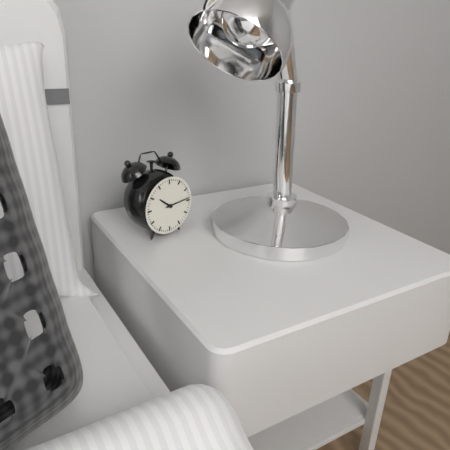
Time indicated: 10:14
